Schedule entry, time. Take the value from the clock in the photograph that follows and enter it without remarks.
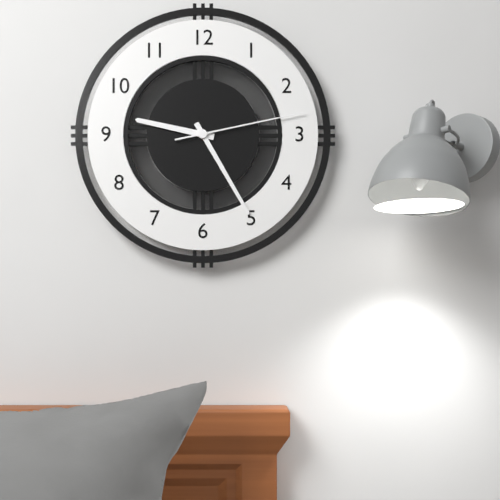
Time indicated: 9:25:13
